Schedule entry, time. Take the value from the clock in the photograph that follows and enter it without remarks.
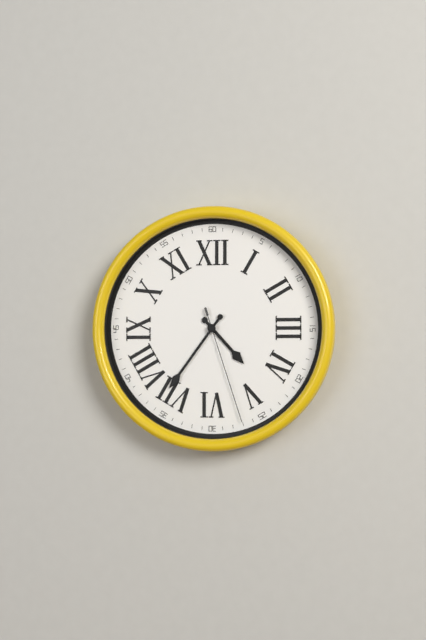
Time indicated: 4:36:27
